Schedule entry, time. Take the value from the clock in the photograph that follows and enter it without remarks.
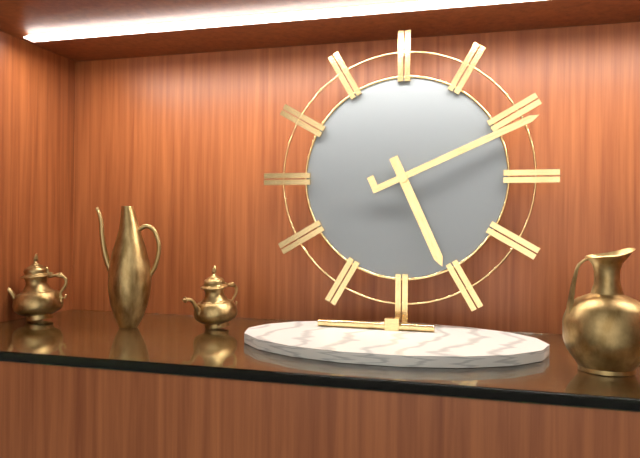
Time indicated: 5:11
